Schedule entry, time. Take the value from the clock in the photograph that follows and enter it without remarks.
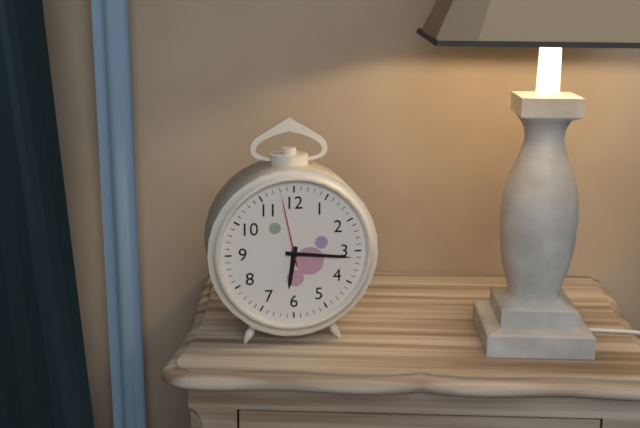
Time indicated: 6:16:58
